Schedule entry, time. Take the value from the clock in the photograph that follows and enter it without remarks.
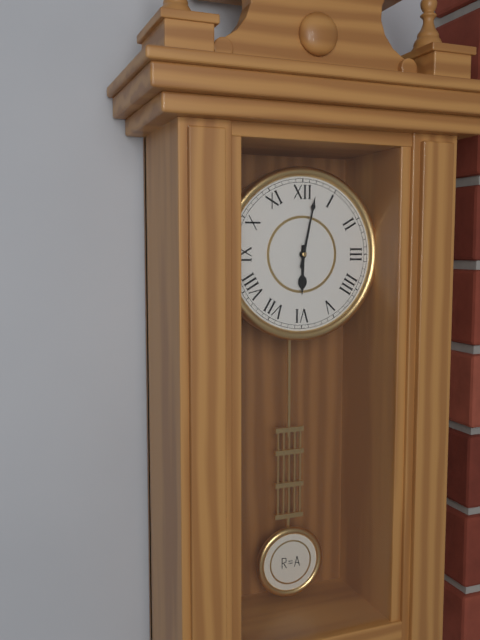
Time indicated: 6:02
